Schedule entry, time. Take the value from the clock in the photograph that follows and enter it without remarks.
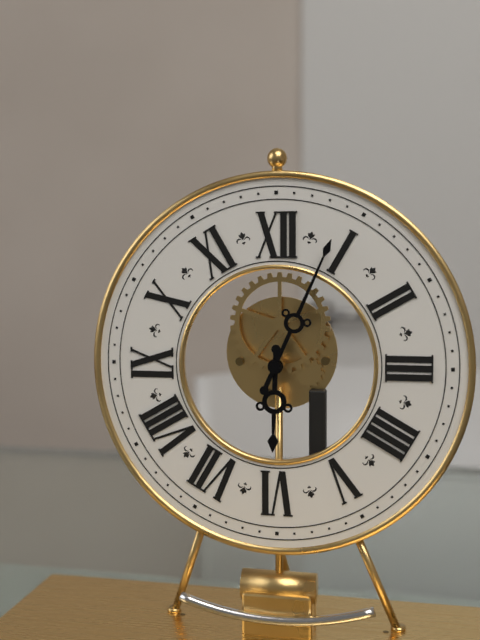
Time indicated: 6:04
